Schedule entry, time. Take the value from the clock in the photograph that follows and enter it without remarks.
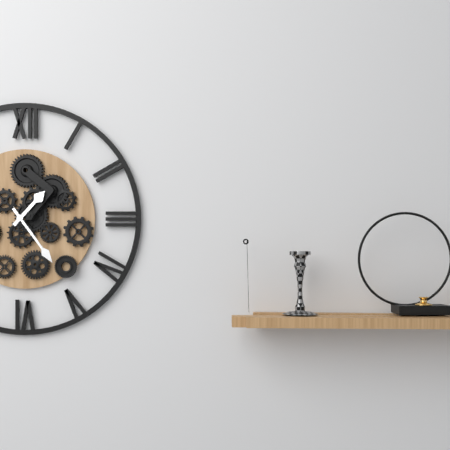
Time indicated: 1:24
